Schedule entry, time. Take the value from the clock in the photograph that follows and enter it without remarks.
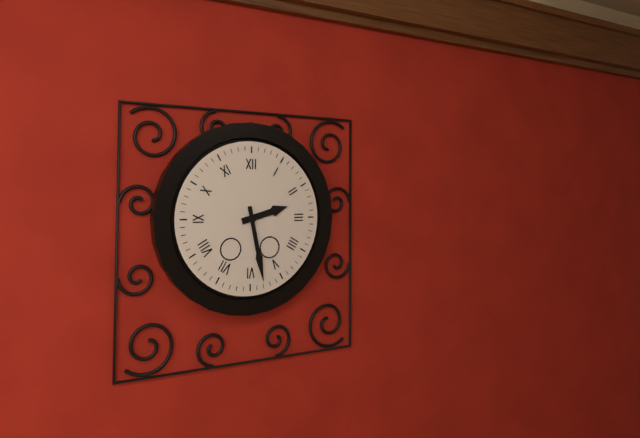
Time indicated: 2:28
